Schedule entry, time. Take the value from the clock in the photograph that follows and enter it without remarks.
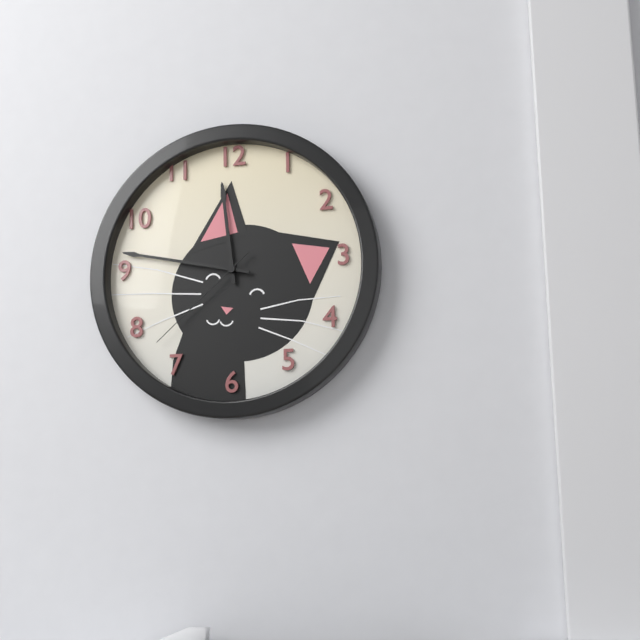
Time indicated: 11:47:38
